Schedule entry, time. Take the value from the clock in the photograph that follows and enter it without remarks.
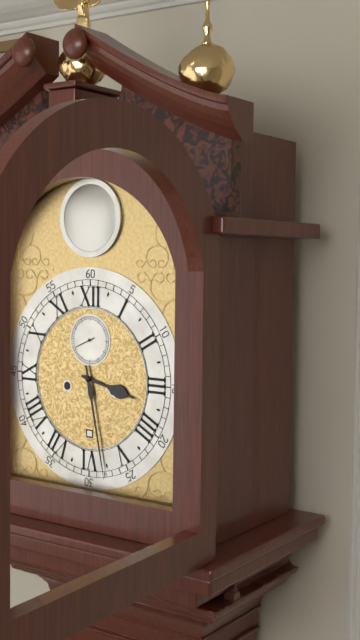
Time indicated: 3:28
